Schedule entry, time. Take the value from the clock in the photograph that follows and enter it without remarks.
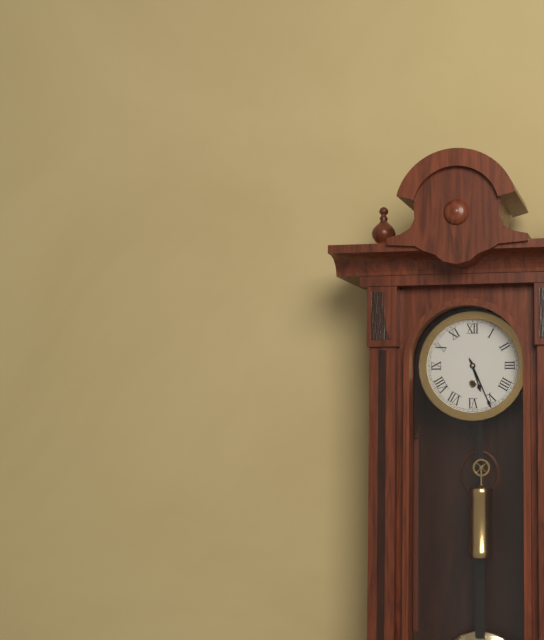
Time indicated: 5:26
